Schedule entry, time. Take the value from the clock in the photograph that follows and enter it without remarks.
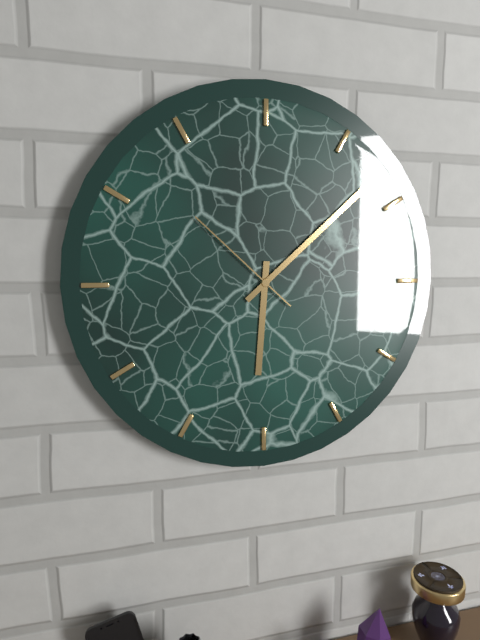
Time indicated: 6:08:52
